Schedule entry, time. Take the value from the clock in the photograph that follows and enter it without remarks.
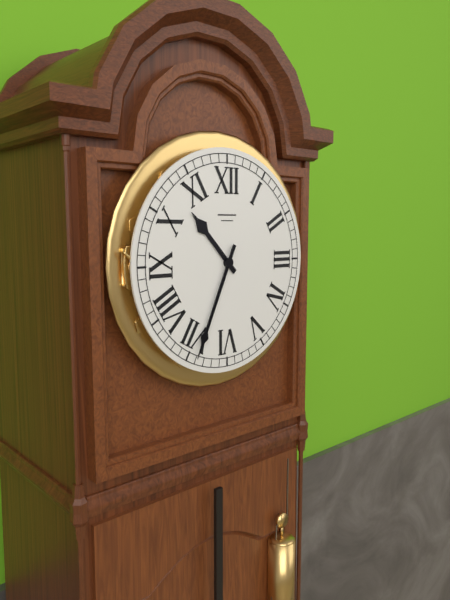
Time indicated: 10:34
